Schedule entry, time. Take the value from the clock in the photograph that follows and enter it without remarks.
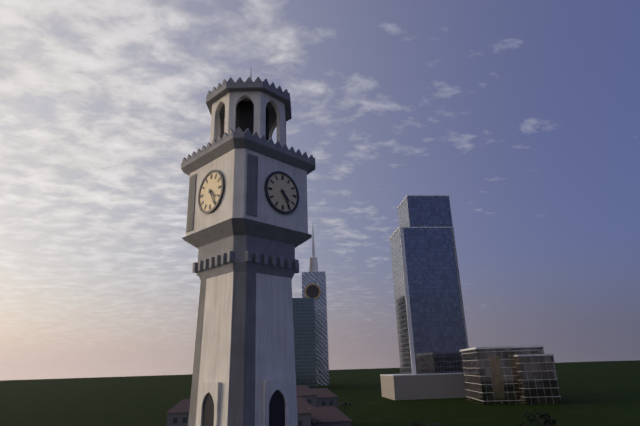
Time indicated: 4:25
